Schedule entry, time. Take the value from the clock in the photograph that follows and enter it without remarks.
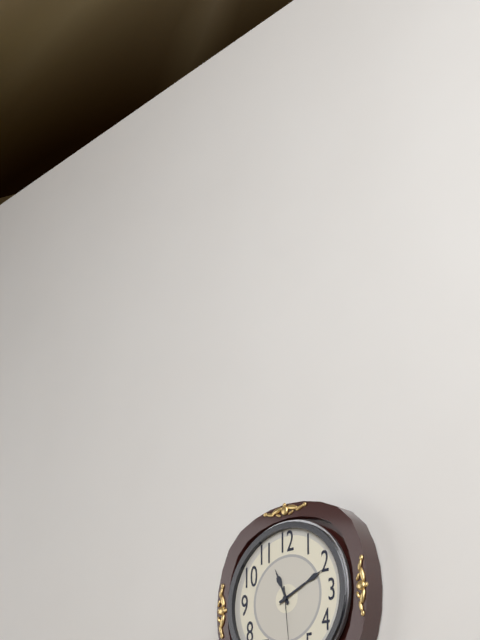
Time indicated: 11:11
